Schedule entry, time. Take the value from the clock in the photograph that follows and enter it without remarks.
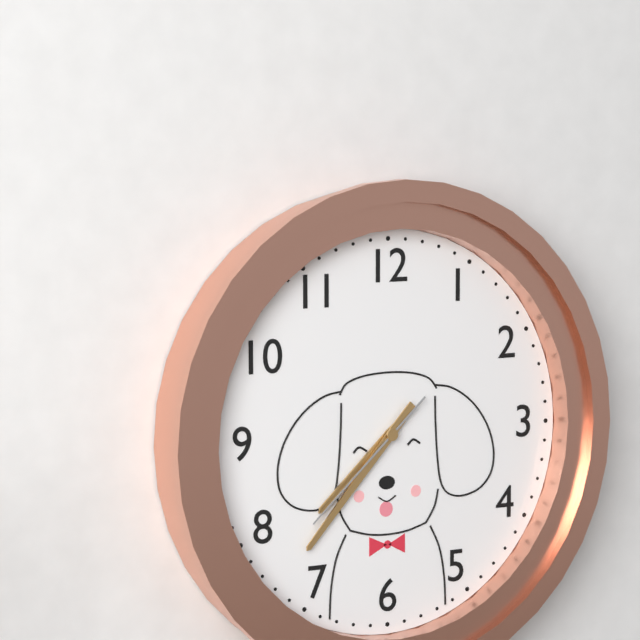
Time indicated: 7:37:38
